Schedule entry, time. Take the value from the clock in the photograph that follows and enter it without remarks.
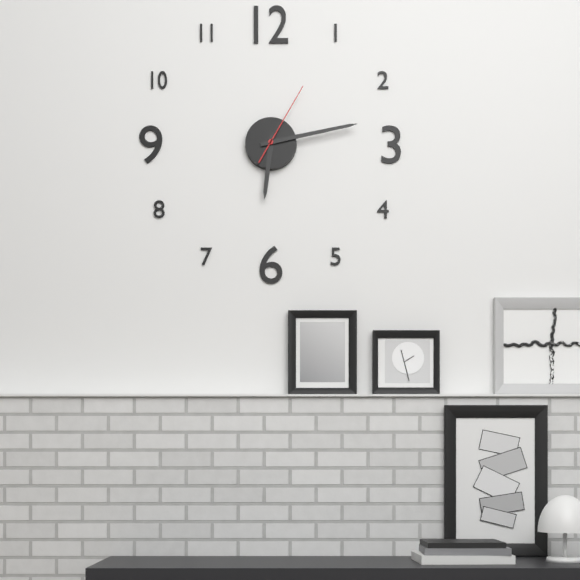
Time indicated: 6:13:05
